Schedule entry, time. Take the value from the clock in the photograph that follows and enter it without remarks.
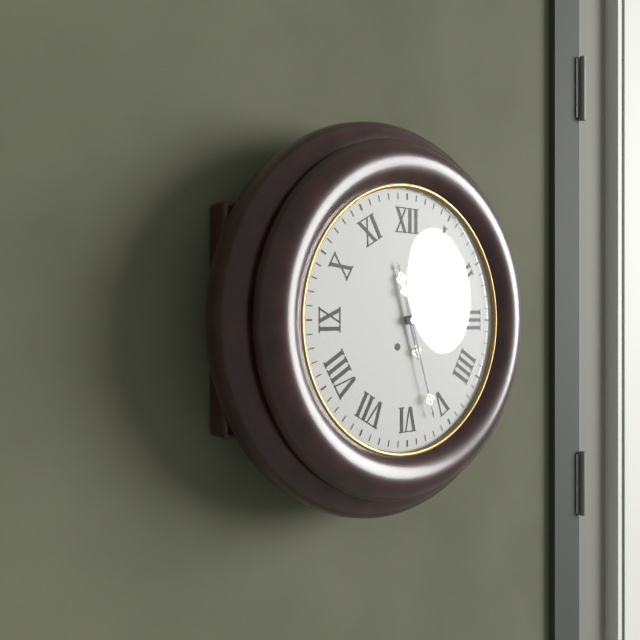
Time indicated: 11:27
